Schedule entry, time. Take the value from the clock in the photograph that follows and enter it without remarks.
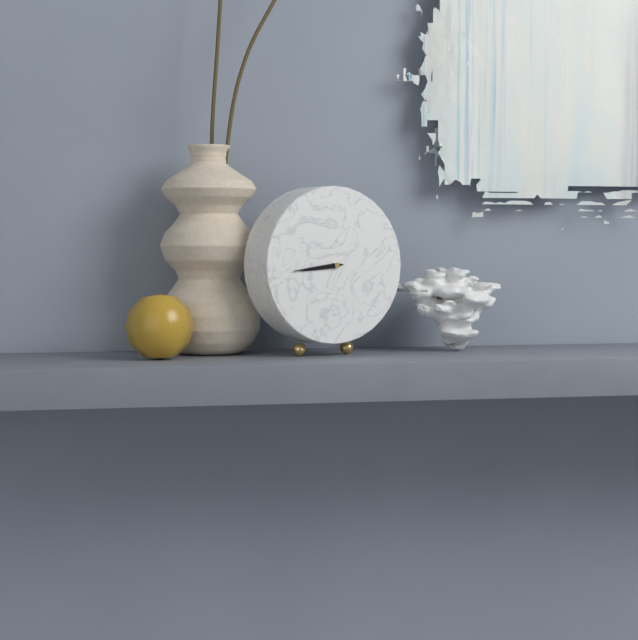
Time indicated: 8:44
